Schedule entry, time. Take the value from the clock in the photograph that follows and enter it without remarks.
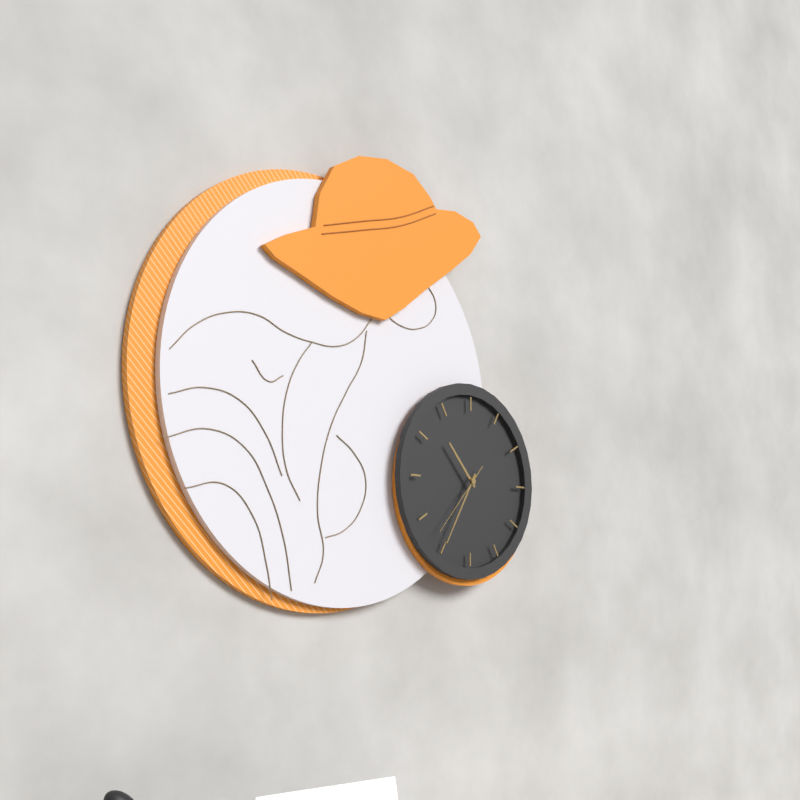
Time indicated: 10:35:37
